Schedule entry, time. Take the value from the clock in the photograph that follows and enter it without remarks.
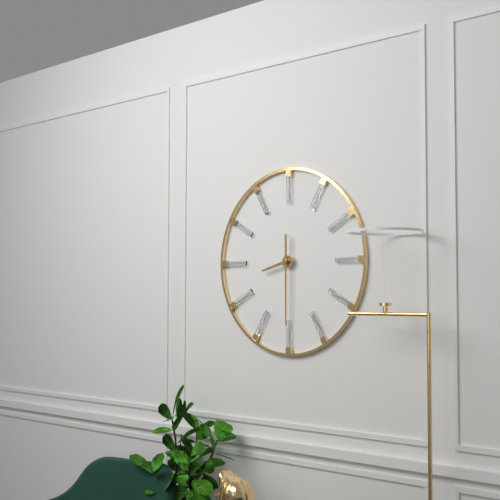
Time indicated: 8:30
